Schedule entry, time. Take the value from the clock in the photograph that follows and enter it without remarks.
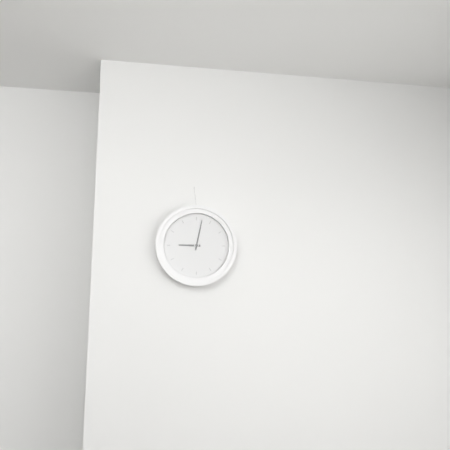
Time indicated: 9:02
